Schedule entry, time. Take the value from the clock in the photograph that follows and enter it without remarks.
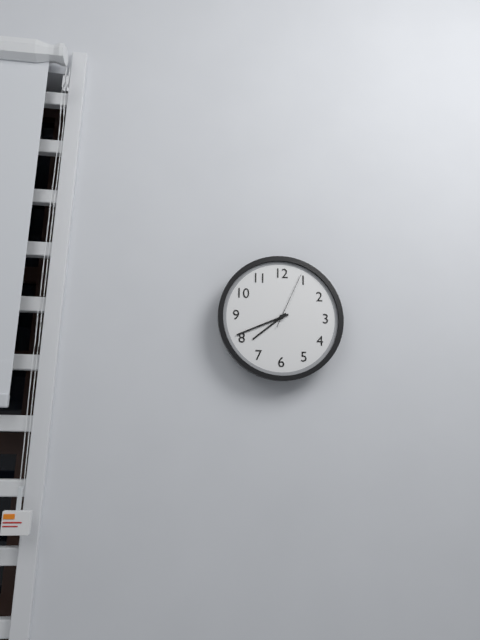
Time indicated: 7:41:04
